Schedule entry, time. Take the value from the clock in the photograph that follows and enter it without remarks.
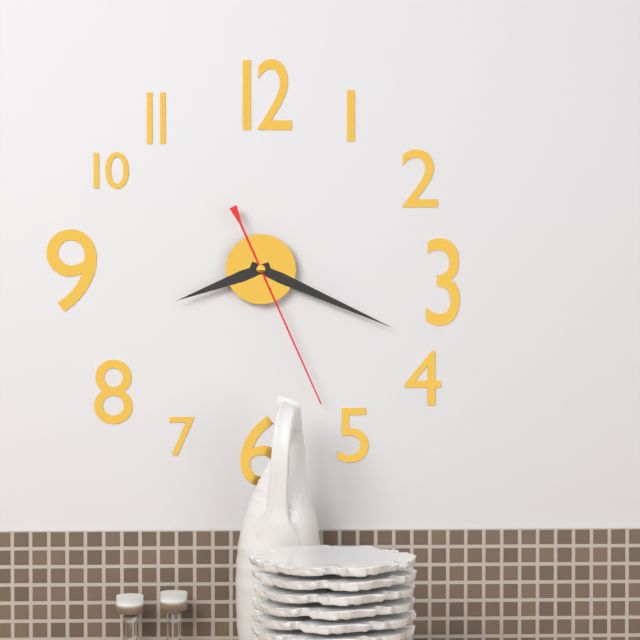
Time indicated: 8:19:26
